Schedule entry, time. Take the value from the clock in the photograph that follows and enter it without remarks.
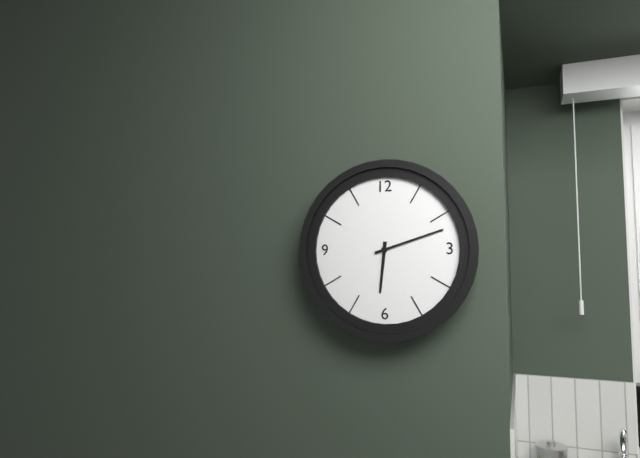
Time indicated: 6:12
